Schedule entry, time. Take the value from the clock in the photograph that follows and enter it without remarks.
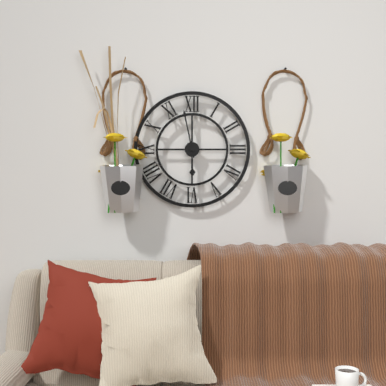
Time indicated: 5:58
